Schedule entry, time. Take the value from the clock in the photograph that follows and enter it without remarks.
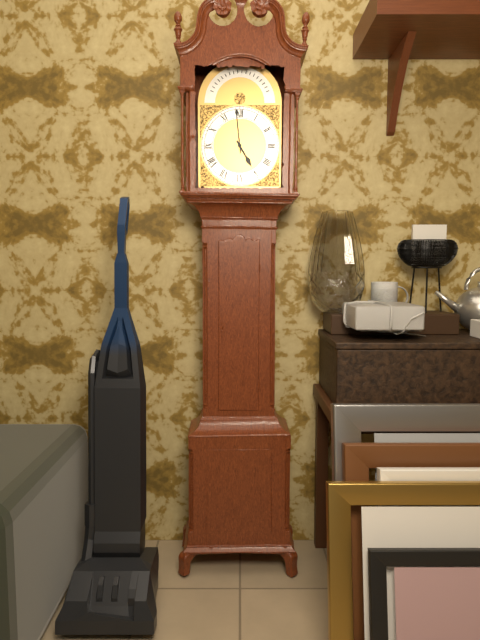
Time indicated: 4:59
